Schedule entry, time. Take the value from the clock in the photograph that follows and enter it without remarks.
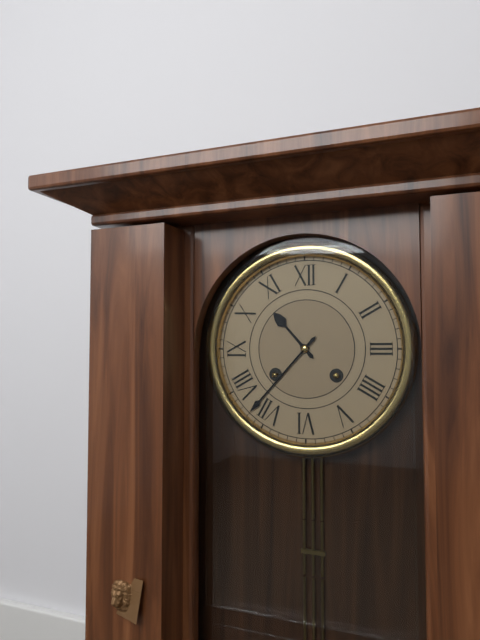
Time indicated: 10:37
